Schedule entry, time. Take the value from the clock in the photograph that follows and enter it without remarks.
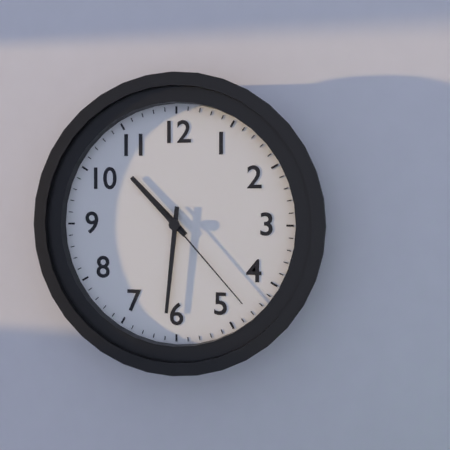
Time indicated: 10:31:23
